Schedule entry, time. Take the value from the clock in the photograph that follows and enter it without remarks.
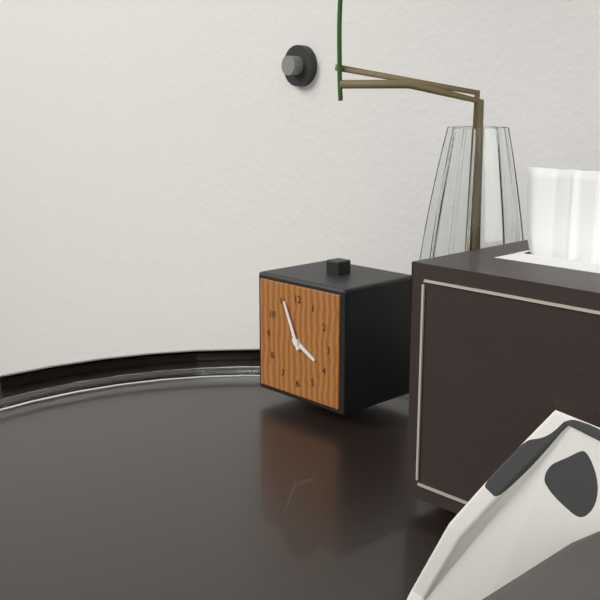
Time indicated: 3:56
